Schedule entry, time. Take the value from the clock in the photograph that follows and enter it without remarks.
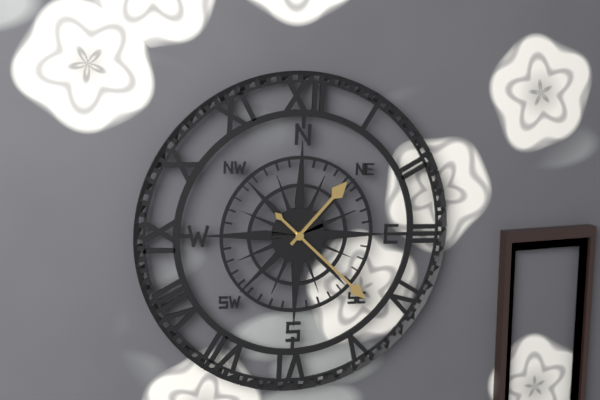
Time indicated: 1:22
